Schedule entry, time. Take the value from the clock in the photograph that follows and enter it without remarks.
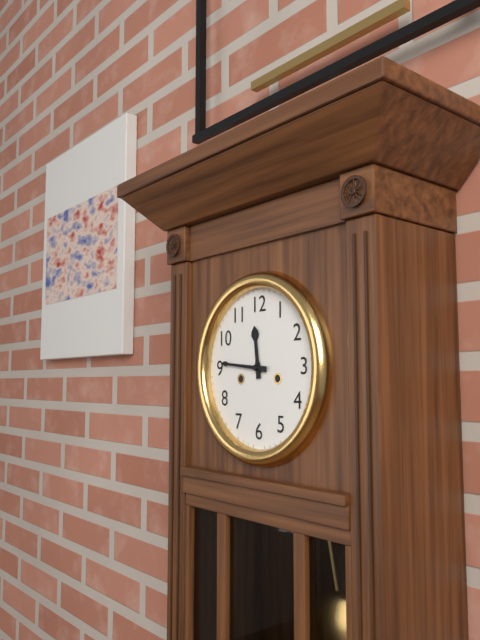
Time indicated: 11:46
